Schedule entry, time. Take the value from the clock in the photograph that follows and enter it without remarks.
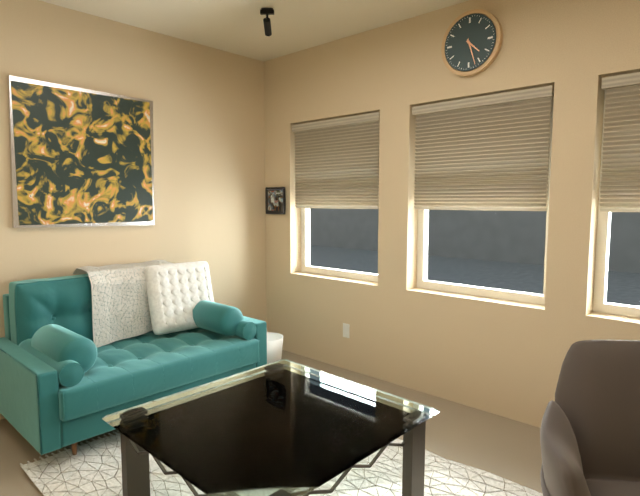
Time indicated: 4:27
